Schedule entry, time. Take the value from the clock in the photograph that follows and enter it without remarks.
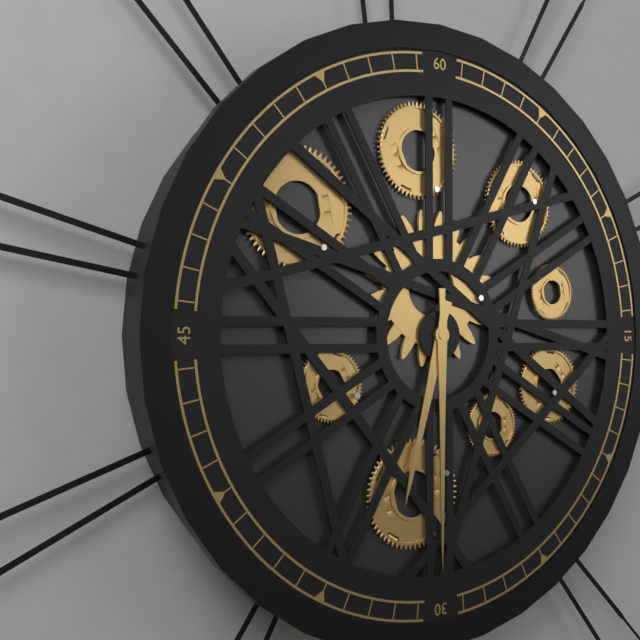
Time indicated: 6:30
